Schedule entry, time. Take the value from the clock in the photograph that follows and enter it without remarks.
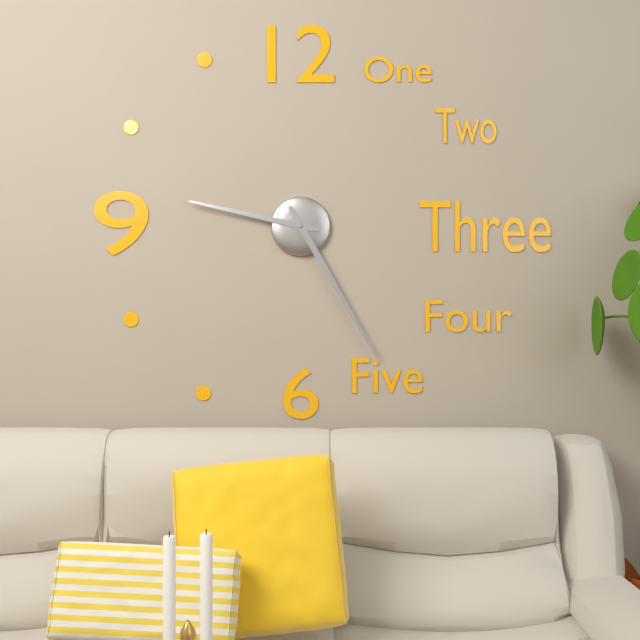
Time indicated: 9:25
